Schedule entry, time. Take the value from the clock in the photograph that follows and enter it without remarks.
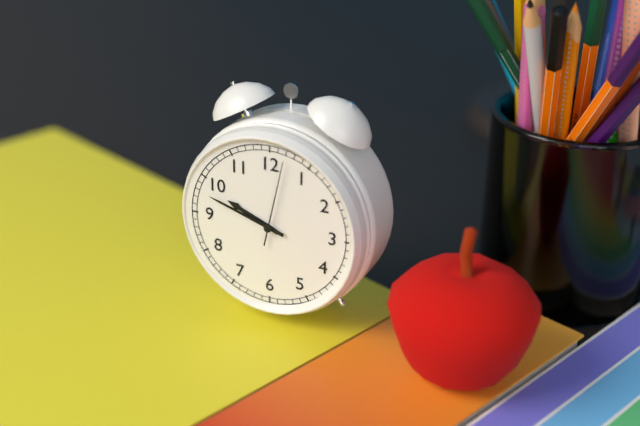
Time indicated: 9:48:02
